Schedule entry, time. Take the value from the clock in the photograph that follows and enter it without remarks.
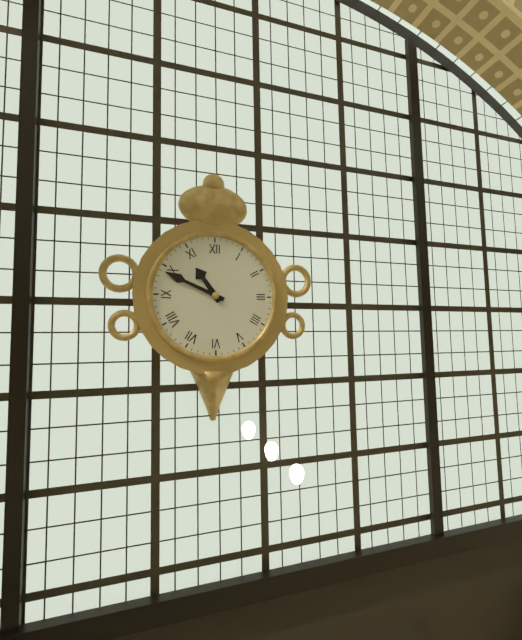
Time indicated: 10:49
